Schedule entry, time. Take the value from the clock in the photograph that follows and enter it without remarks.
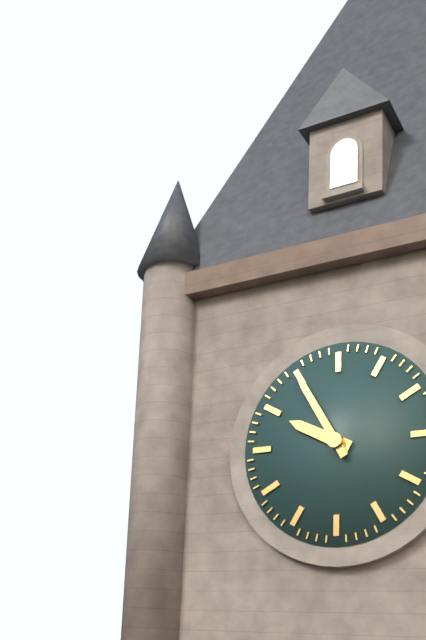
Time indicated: 9:55
